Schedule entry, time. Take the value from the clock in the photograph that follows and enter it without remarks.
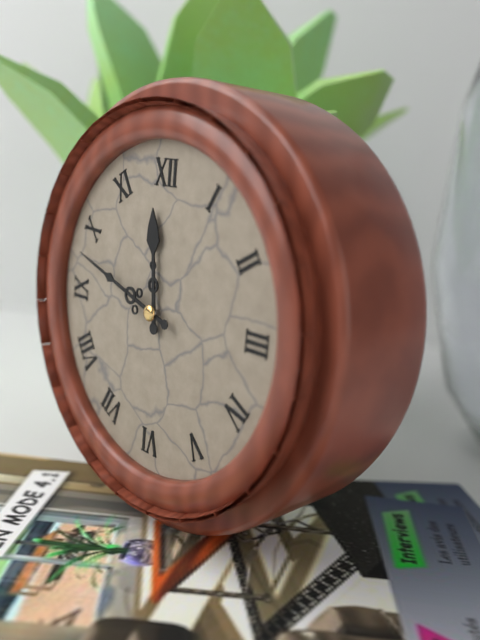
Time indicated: 11:48
